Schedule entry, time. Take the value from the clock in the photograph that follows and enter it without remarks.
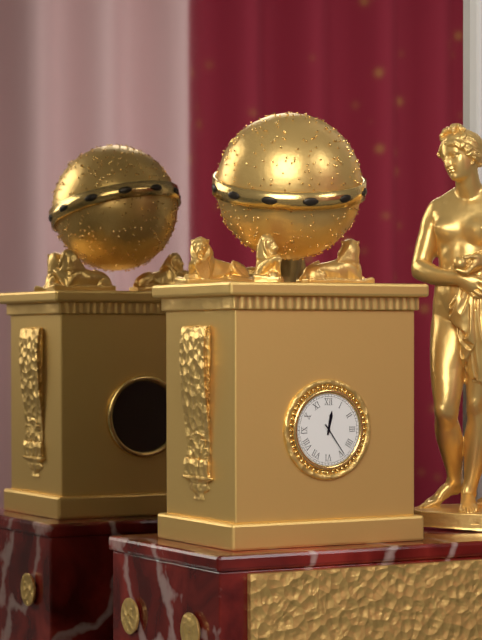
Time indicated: 12:24
